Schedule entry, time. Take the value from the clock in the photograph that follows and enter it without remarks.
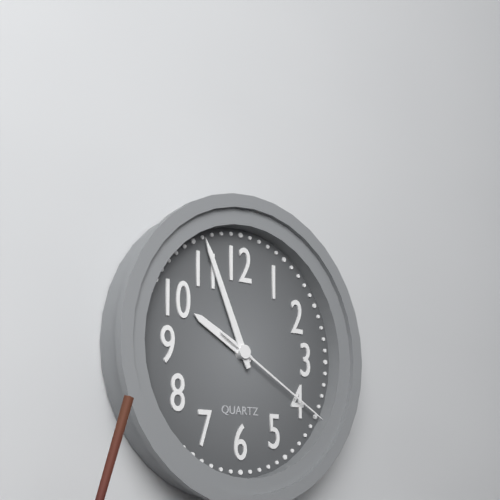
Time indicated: 9:56:20
